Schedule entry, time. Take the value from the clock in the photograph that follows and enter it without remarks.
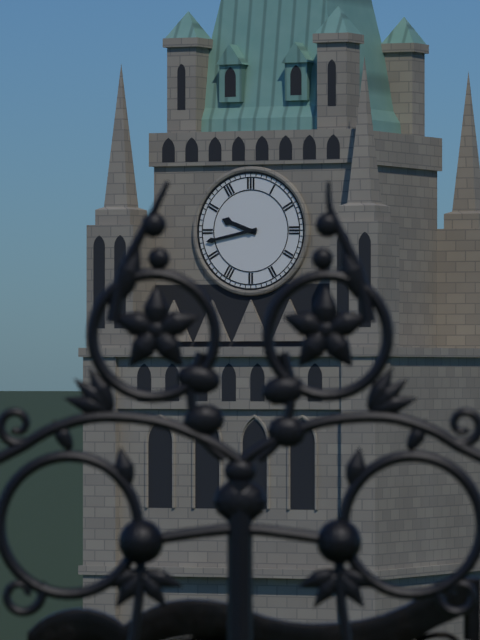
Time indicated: 9:43
